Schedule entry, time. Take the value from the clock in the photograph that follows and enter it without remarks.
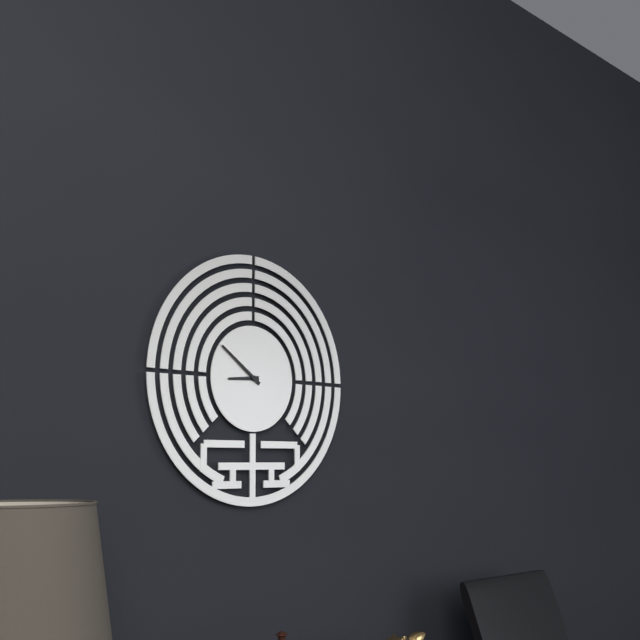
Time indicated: 8:51
